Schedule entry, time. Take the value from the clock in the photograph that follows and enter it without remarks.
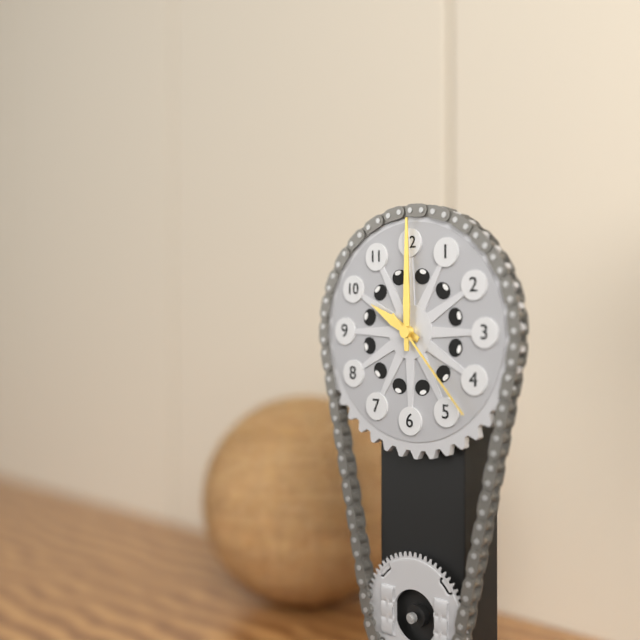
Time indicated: 10:00:23
